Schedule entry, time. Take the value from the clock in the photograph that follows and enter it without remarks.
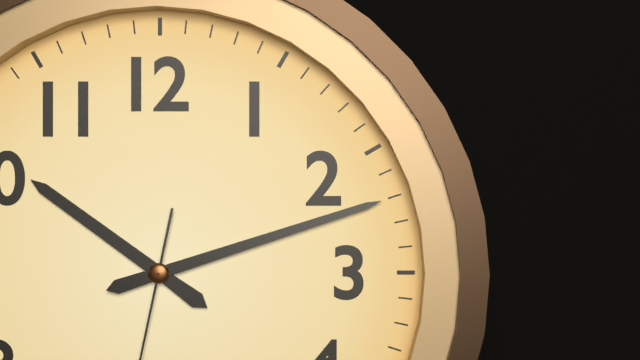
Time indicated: 10:12
